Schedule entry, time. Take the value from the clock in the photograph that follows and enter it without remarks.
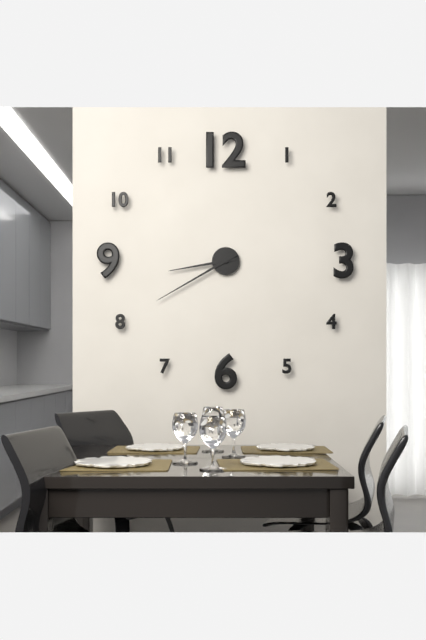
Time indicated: 8:40
